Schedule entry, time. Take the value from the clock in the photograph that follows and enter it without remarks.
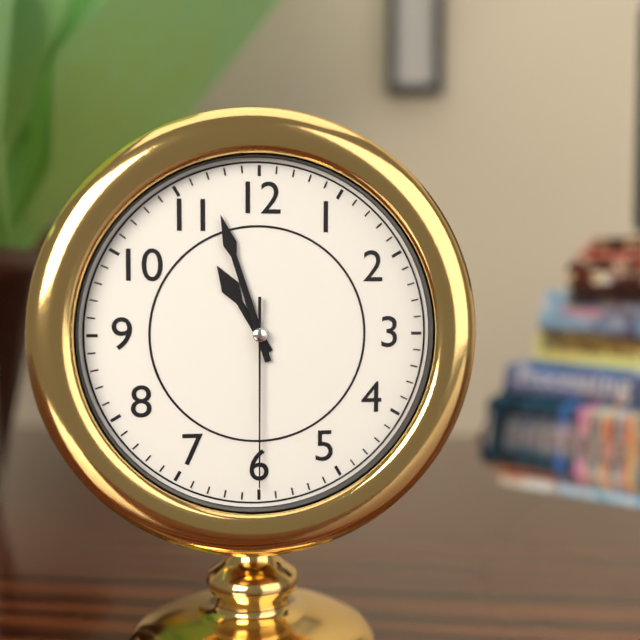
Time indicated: 10:57:30
